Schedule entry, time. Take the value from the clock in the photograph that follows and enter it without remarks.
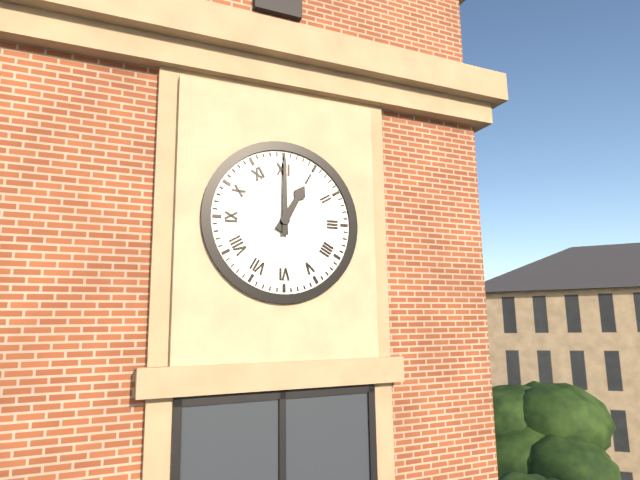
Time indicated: 1:00
